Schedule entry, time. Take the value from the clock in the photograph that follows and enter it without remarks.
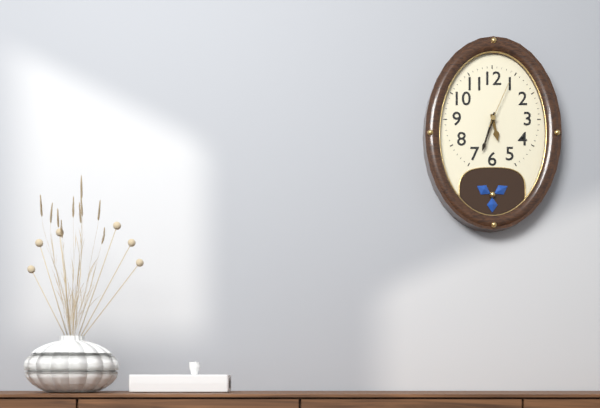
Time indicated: 5:33
